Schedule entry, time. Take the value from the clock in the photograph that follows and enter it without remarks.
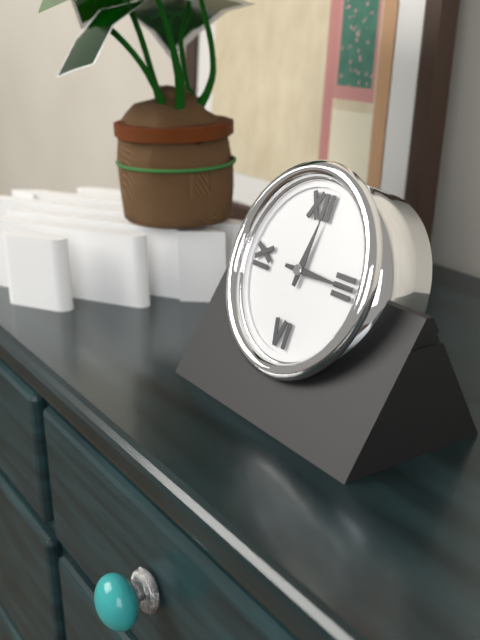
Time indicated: 12:15
